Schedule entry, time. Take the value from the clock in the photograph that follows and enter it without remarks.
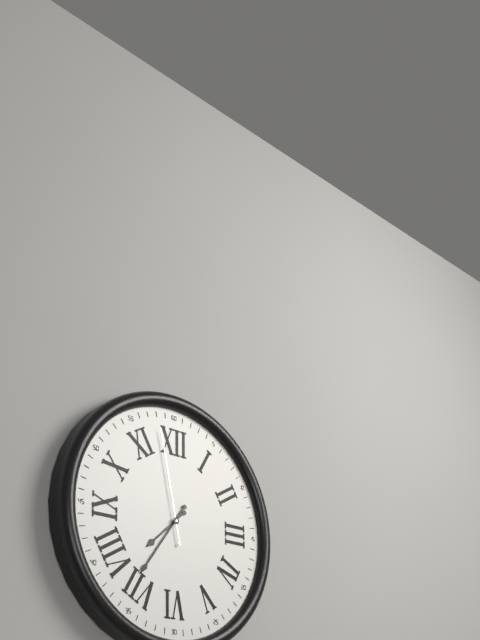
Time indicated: 7:36:58
